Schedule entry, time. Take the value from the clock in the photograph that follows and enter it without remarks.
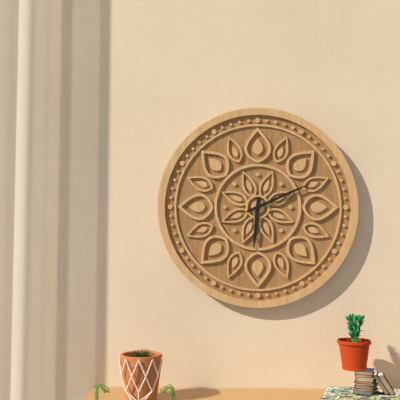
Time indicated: 6:11
